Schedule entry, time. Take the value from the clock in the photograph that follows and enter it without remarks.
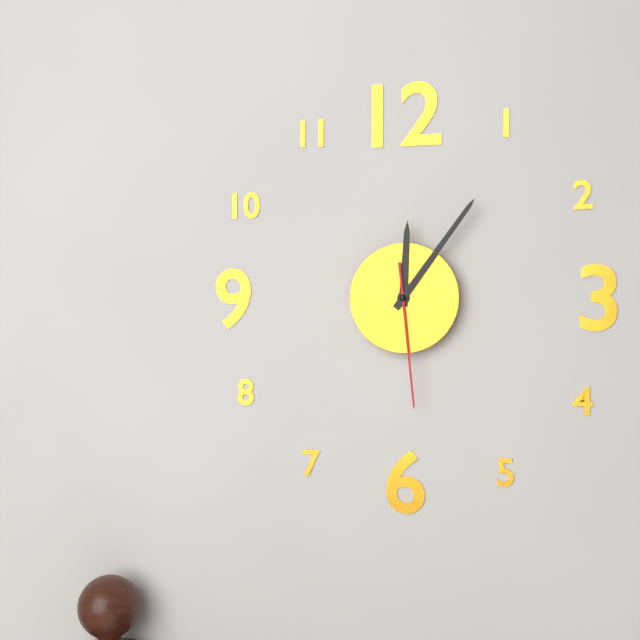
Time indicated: 12:06:29
